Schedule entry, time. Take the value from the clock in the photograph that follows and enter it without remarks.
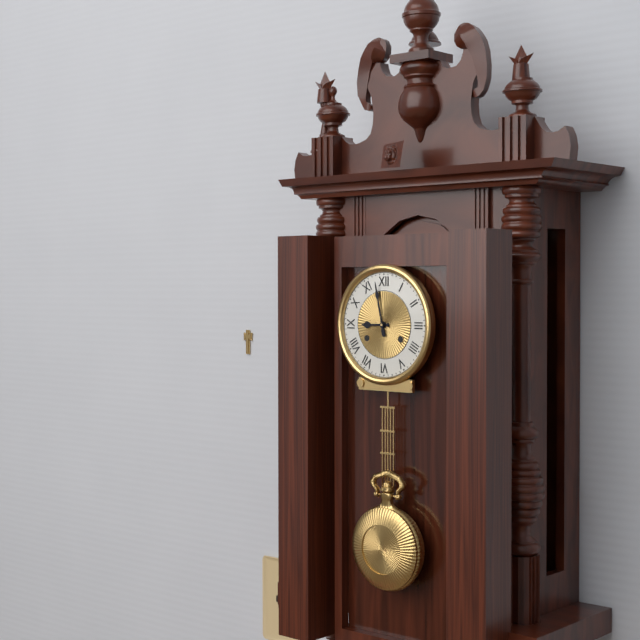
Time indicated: 8:58
